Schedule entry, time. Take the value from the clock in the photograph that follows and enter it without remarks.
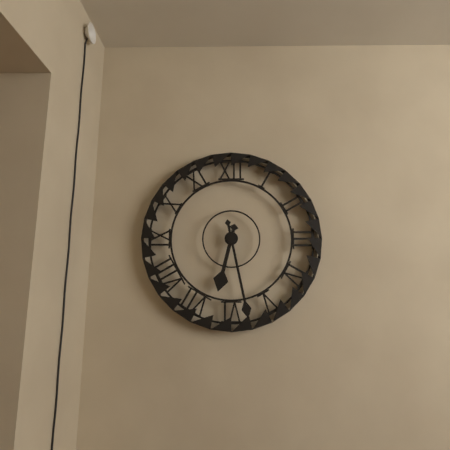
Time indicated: 6:28
